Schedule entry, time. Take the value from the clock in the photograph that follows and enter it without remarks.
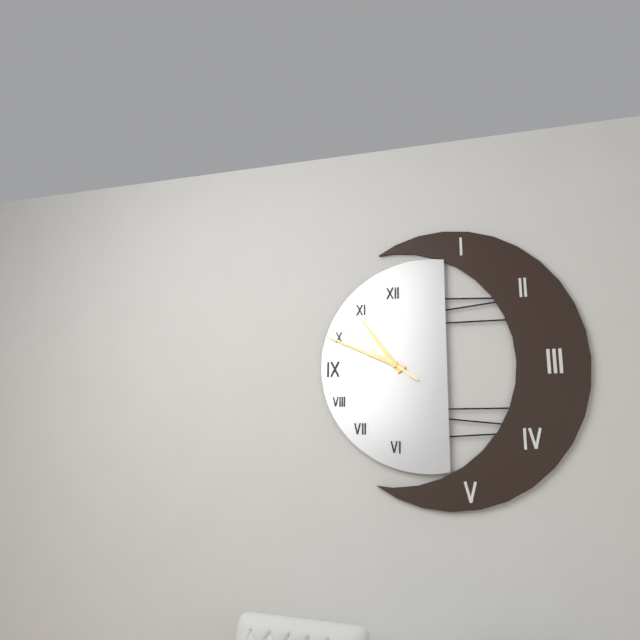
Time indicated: 10:49:51
